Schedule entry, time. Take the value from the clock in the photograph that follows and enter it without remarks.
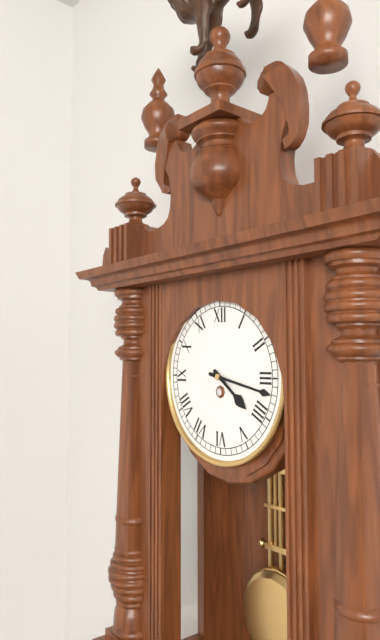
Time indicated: 4:17
